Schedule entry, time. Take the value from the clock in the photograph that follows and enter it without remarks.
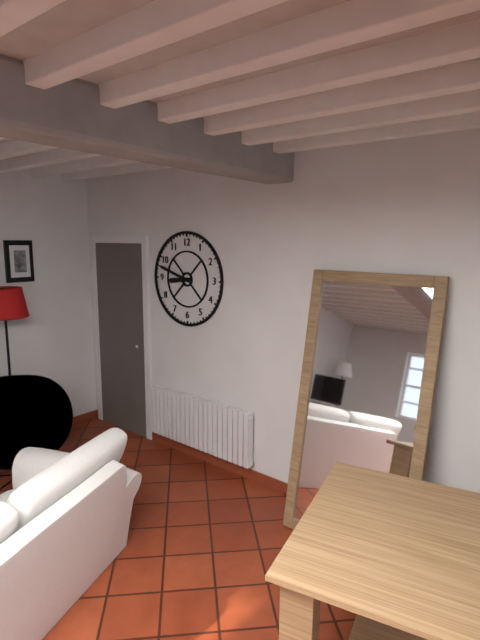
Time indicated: 8:48
